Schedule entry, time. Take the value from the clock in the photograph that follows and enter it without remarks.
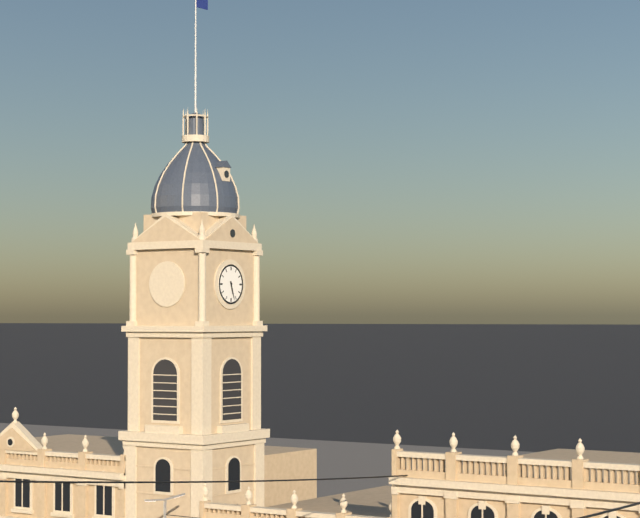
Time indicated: 5:27
